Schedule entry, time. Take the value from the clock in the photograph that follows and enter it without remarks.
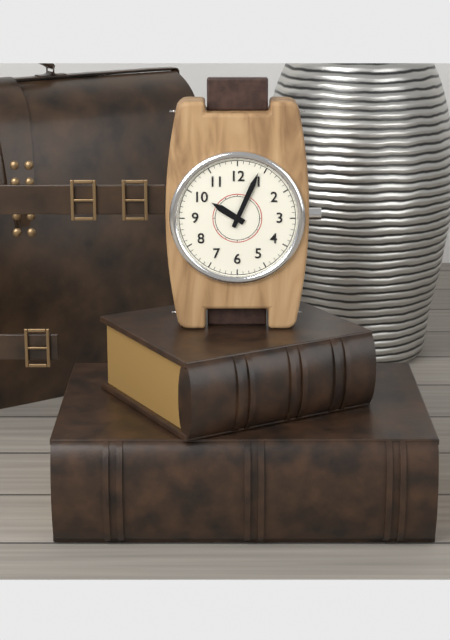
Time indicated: 10:04
